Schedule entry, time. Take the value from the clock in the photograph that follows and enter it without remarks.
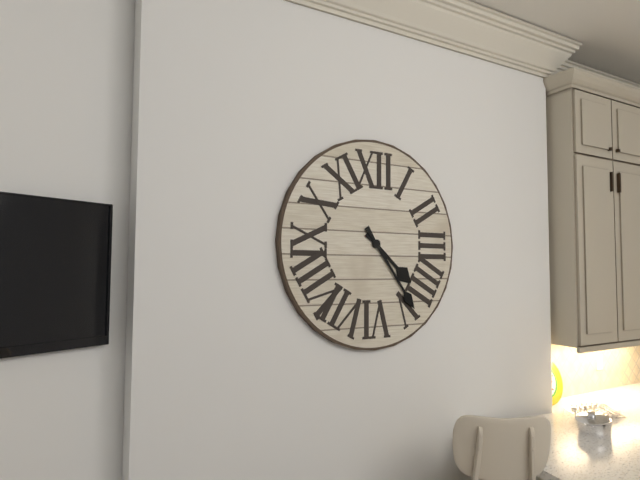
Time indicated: 4:24
